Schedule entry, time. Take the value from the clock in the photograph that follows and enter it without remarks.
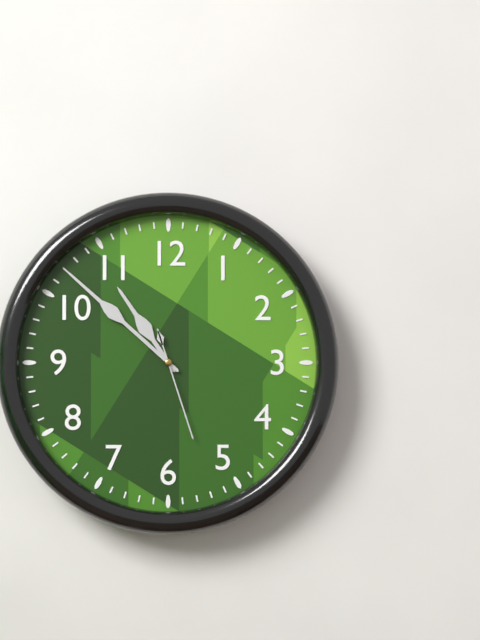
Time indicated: 10:52:27
